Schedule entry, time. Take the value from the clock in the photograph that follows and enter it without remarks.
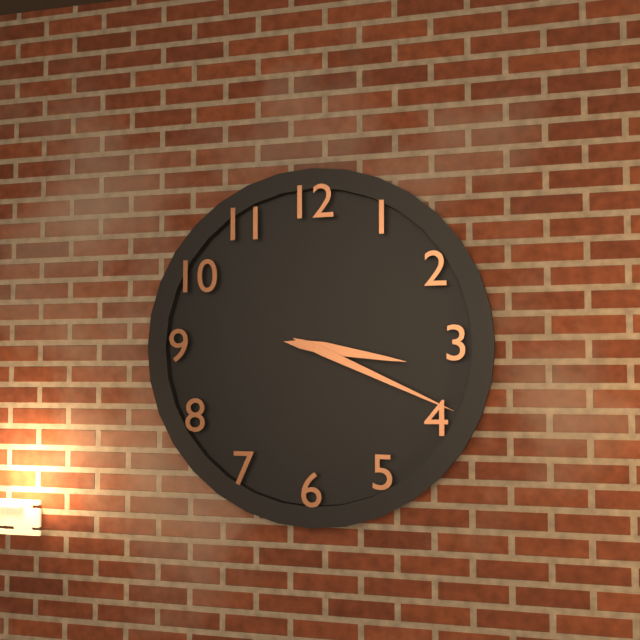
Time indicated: 3:19
